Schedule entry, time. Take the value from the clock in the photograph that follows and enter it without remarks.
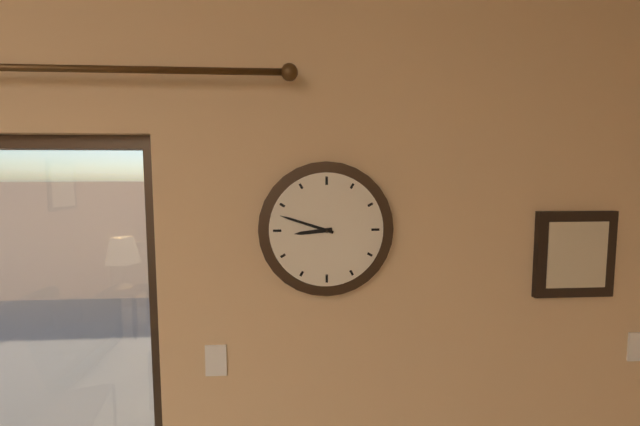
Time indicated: 8:48
